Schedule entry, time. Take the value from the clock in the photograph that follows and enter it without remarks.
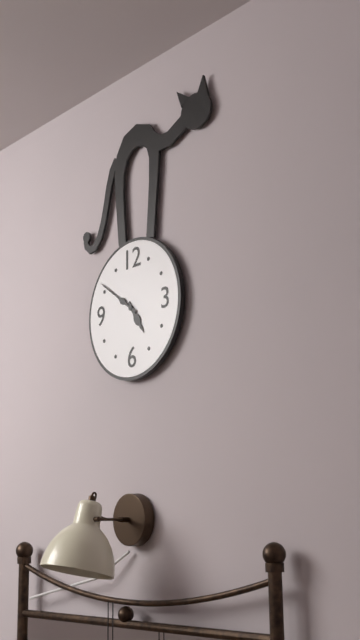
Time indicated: 4:51
